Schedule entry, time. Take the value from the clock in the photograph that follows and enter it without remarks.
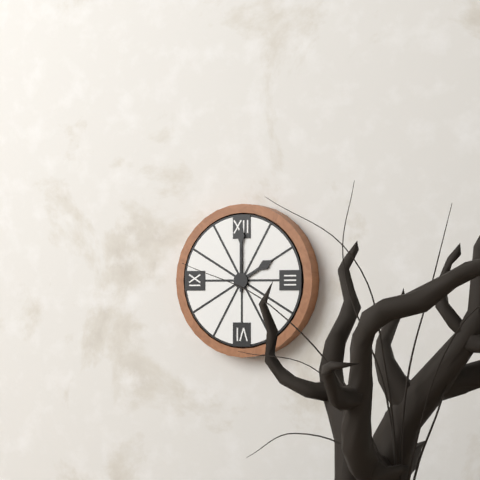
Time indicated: 2:00
